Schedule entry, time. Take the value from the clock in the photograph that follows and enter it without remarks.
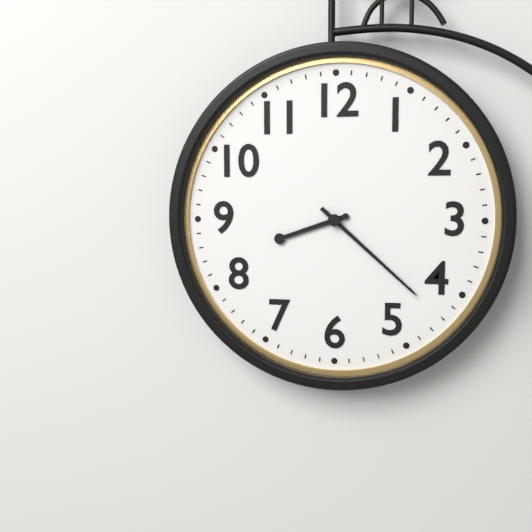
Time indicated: 8:22
